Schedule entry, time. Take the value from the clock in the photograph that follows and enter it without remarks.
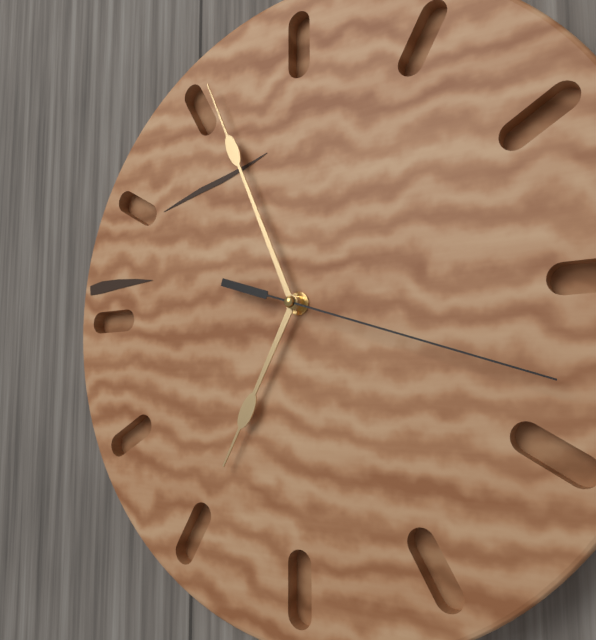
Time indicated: 6:56:18
